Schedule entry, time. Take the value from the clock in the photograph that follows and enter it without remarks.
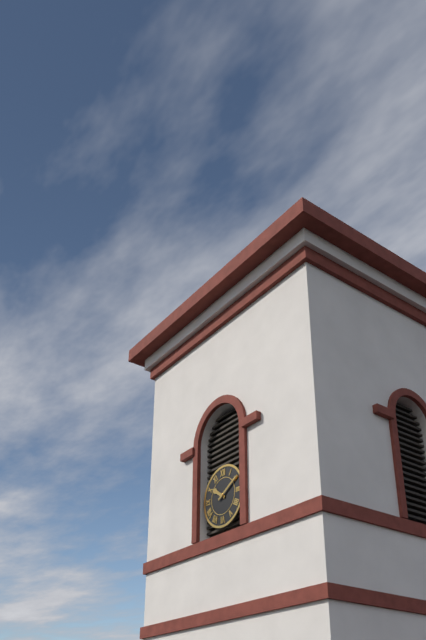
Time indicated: 10:10
